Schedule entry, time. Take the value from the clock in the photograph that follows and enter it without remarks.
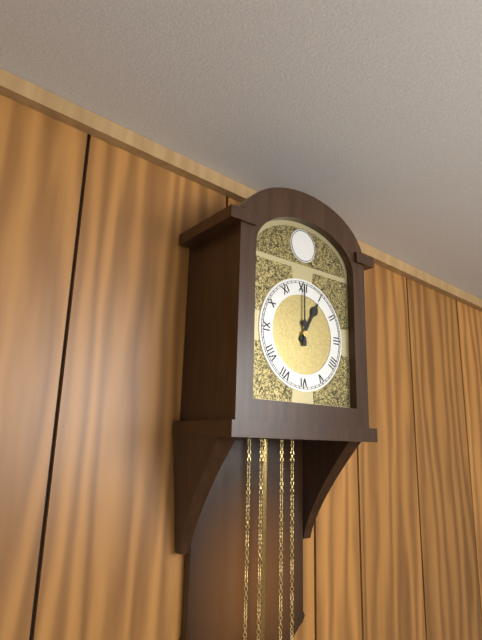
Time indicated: 1:00
